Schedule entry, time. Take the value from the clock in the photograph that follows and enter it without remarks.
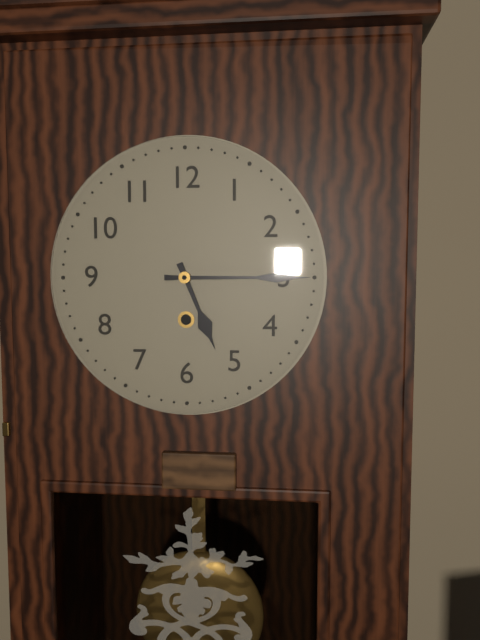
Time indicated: 5:15
